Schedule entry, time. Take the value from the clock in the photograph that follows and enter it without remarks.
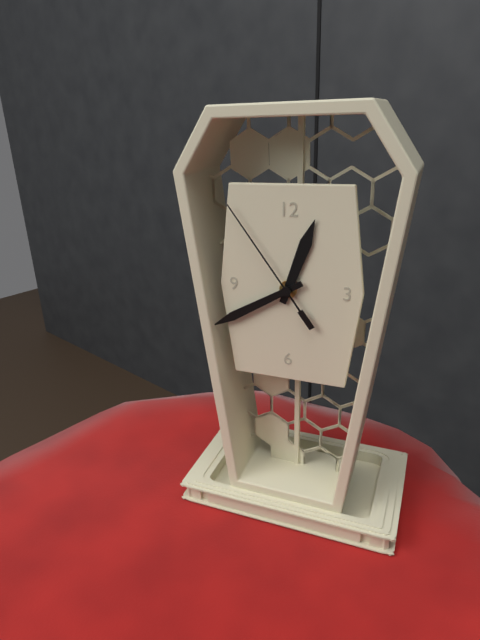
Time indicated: 12:40:54
